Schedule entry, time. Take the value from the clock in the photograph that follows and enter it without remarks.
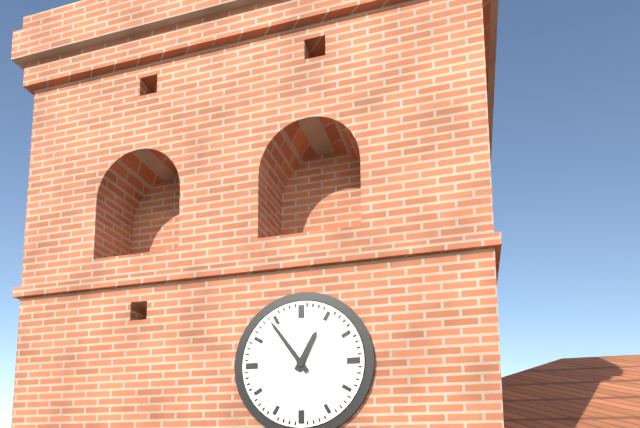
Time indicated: 12:54
